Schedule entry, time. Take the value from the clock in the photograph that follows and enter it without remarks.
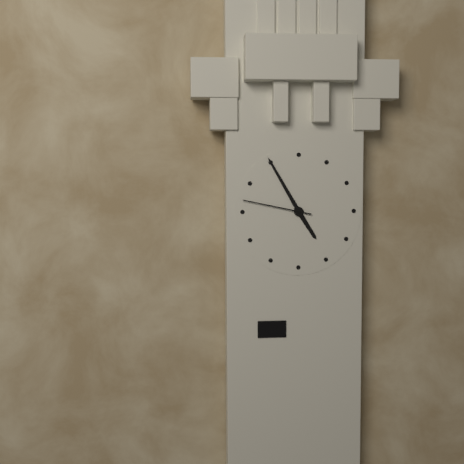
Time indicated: 4:55:47
